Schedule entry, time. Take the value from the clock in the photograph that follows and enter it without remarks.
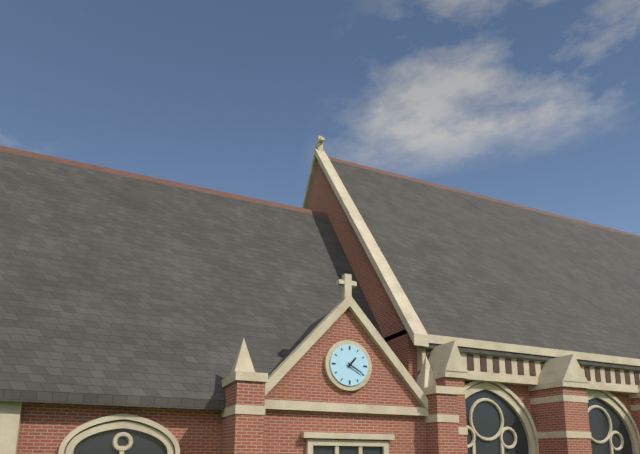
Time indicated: 1:20
